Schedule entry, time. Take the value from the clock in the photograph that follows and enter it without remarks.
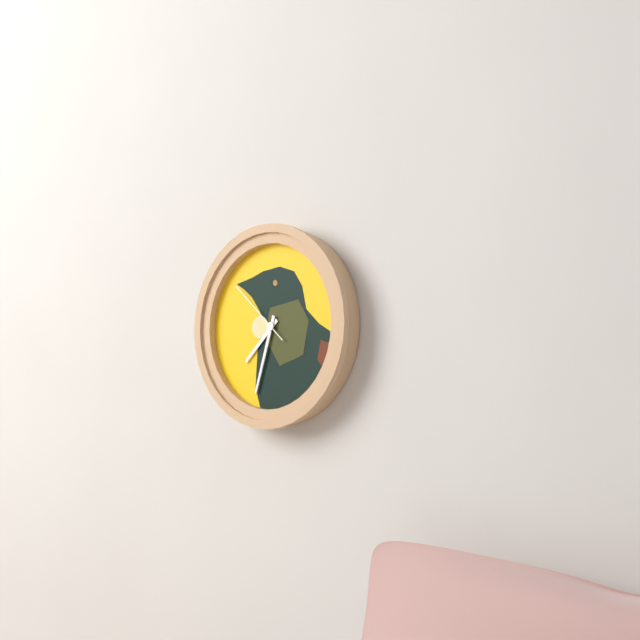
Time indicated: 7:33:52
